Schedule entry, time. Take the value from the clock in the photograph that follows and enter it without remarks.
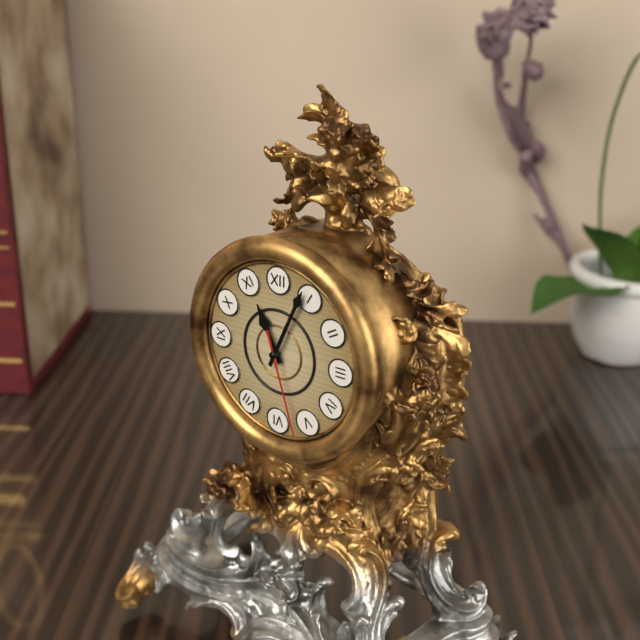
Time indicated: 11:04:27
